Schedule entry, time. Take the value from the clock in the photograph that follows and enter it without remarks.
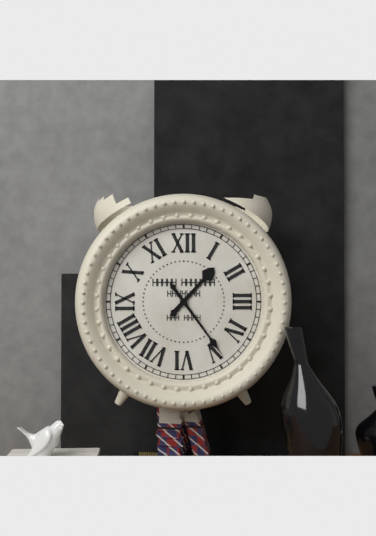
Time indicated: 1:24
